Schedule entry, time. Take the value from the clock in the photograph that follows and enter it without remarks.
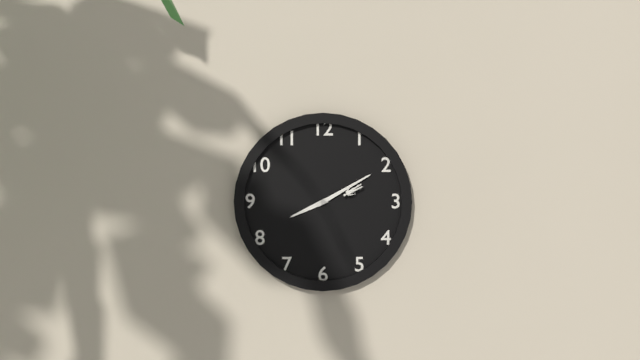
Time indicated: 8:10
